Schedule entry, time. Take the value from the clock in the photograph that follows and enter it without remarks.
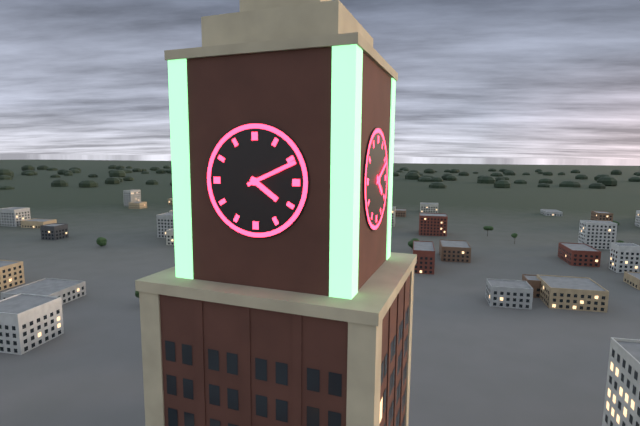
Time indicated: 4:11
